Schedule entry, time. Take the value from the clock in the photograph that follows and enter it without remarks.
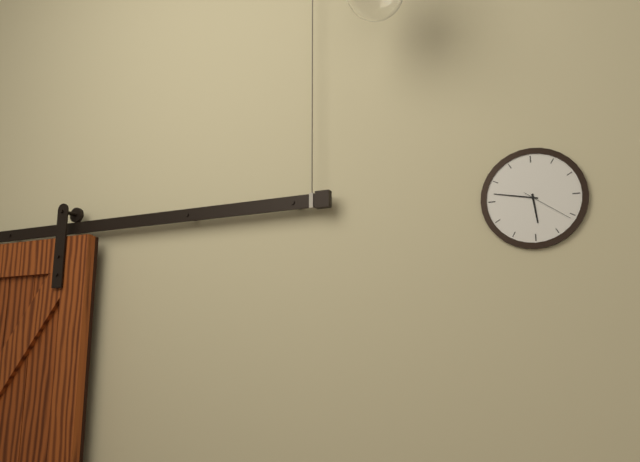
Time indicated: 5:47:21
